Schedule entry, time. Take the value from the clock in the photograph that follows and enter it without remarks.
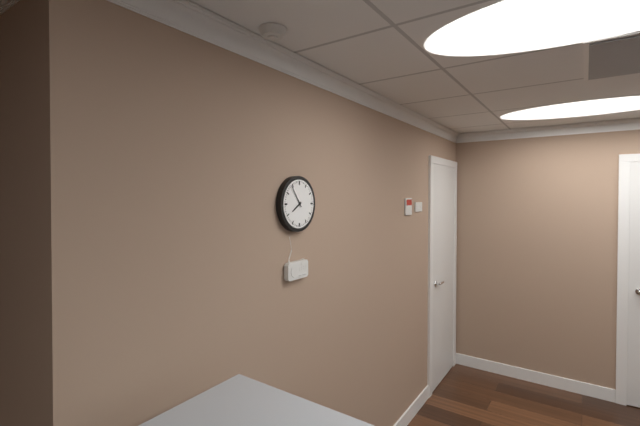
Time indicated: 7:54
